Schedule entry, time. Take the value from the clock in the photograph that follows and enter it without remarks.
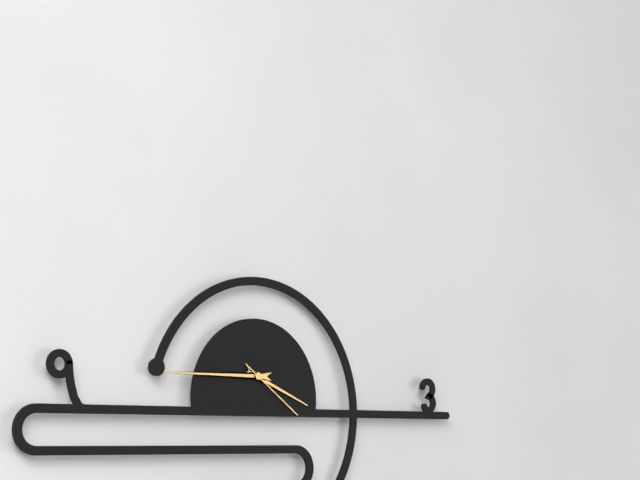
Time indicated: 3:45:21
